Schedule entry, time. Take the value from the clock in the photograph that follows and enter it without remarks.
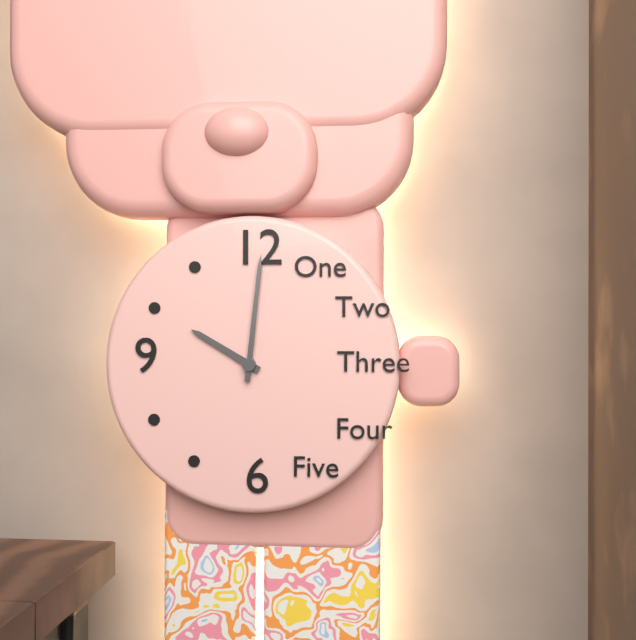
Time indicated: 10:01
